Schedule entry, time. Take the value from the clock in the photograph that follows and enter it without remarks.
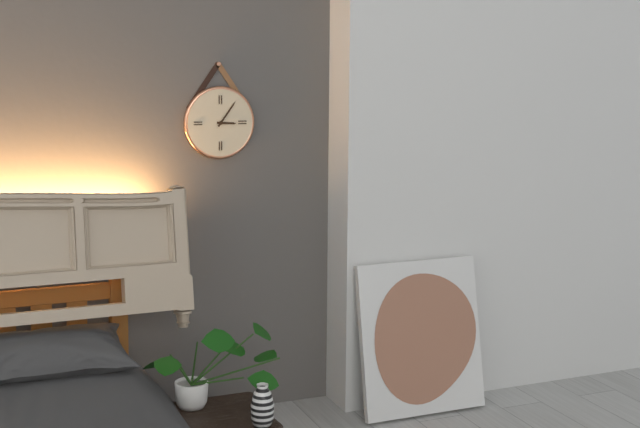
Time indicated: 3:06
